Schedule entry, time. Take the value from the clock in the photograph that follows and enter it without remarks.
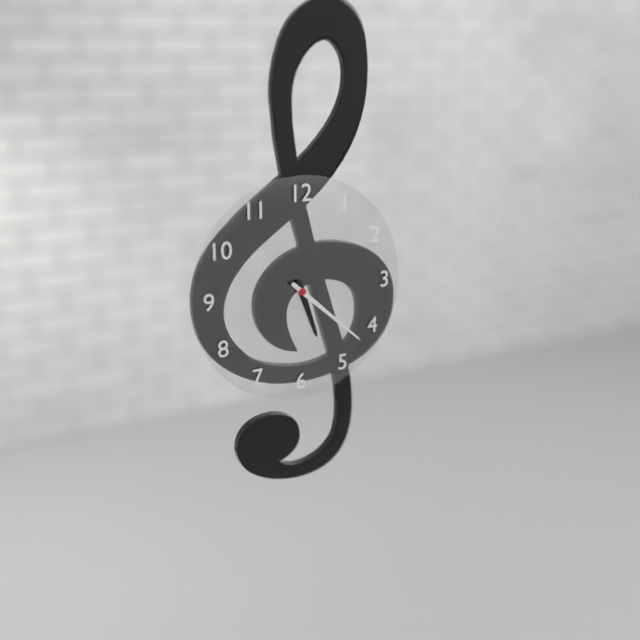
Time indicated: 5:22
